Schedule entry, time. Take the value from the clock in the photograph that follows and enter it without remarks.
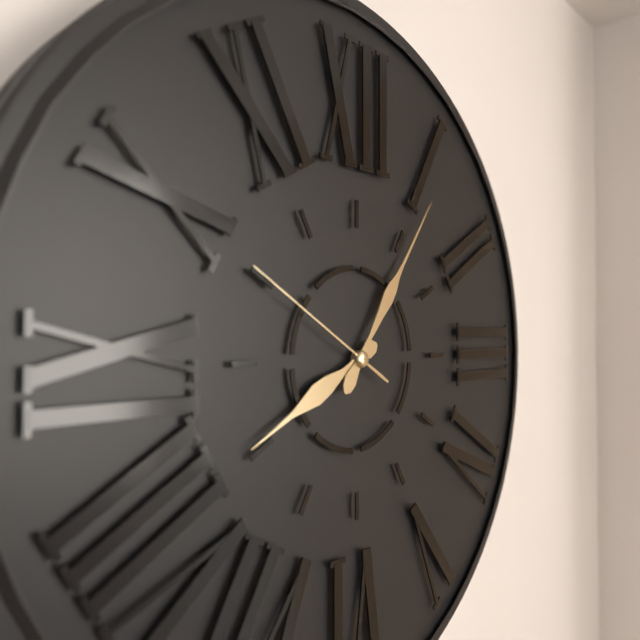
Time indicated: 8:06:50
